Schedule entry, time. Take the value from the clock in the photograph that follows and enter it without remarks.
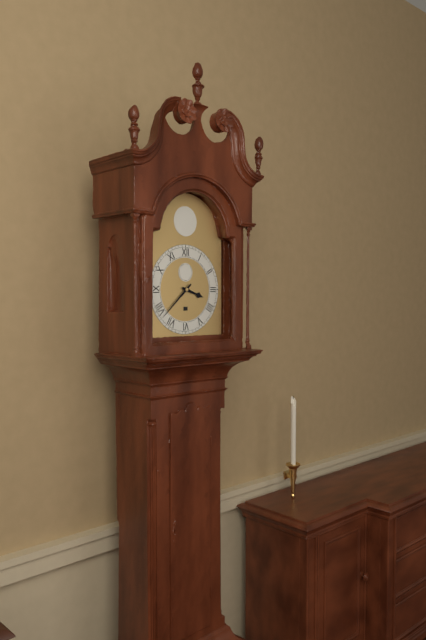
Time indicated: 3:38
